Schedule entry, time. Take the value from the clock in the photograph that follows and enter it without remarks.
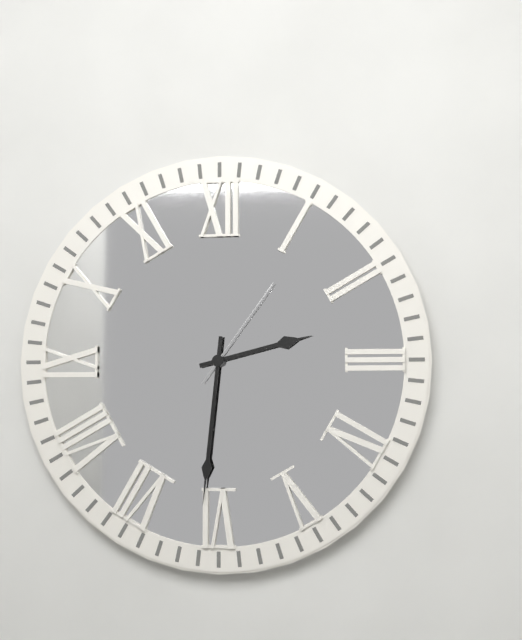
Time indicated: 2:31:06
